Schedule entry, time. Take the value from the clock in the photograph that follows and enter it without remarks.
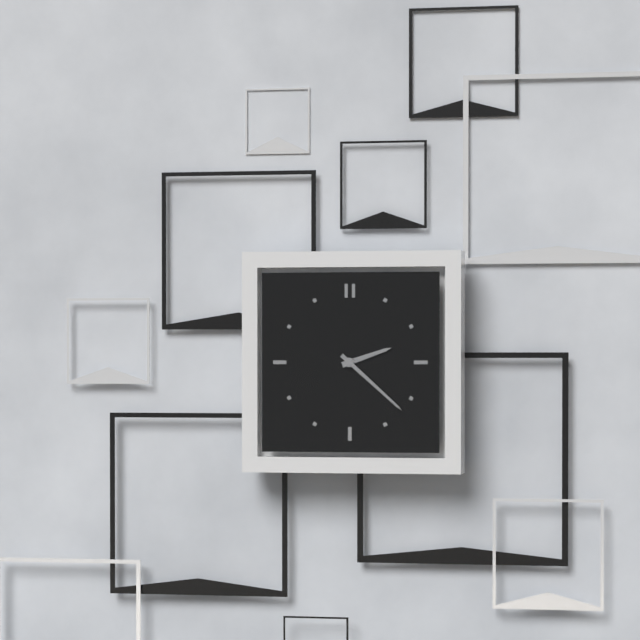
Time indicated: 2:22
